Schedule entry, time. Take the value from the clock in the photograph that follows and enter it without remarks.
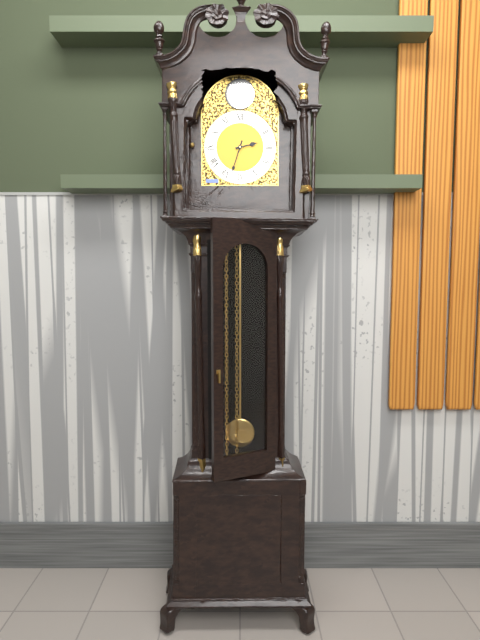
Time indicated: 2:33
